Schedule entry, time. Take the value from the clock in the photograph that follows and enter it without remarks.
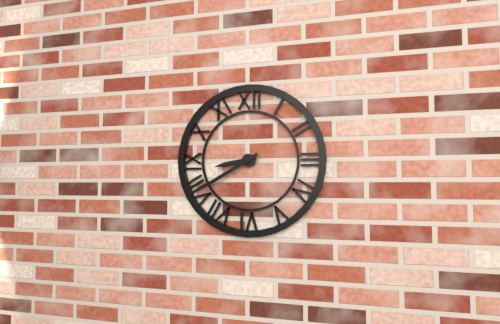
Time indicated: 8:40
